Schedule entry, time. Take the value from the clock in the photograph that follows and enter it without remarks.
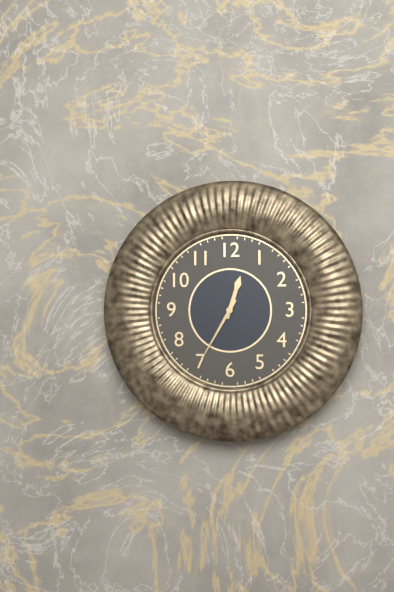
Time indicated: 12:35
